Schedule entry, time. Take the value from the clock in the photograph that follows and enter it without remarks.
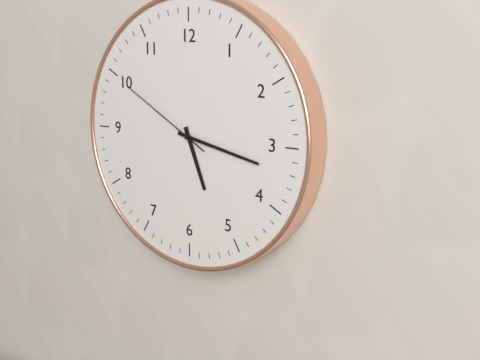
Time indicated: 5:17:50
